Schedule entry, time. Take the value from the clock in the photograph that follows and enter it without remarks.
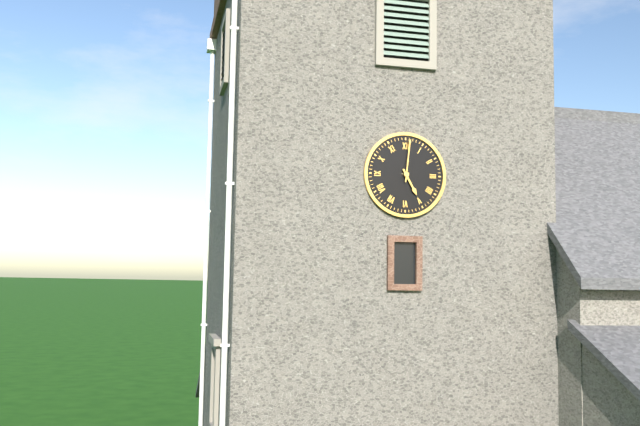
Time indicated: 5:01
